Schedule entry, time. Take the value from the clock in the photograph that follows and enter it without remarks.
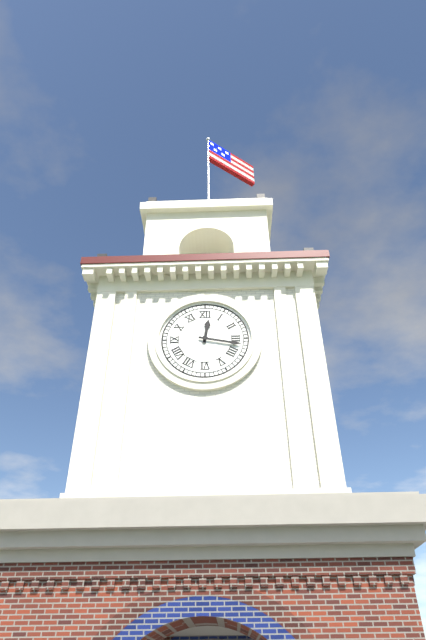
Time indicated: 12:17
